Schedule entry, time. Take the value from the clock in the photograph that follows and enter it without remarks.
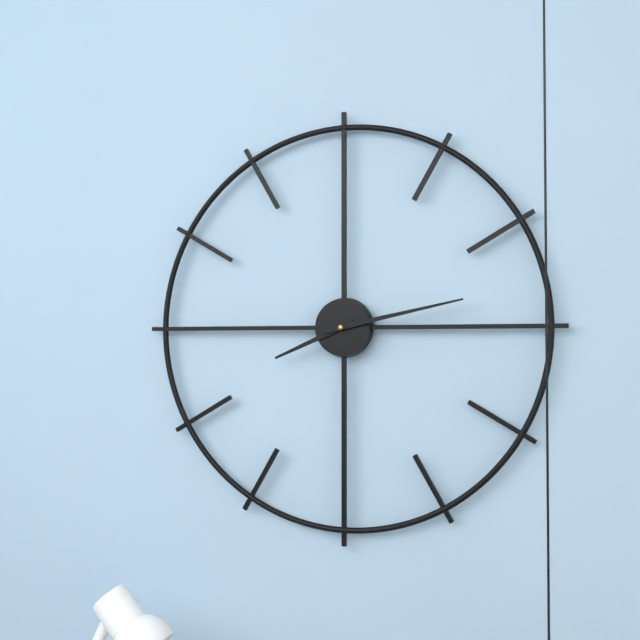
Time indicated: 8:13
